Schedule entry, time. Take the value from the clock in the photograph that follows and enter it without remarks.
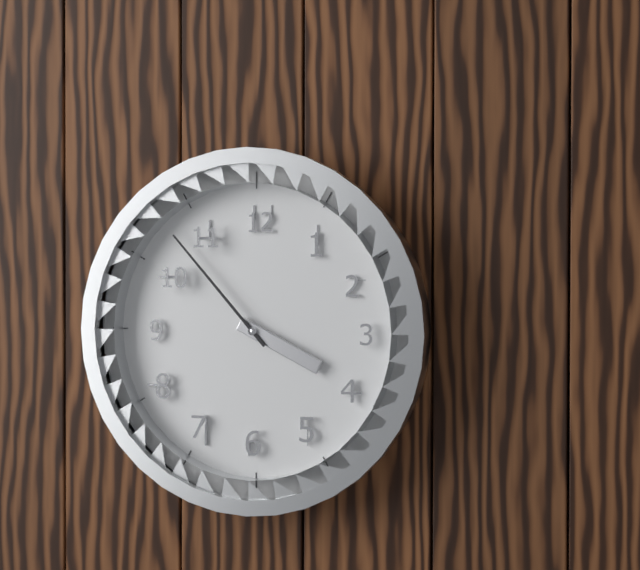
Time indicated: 3:53
